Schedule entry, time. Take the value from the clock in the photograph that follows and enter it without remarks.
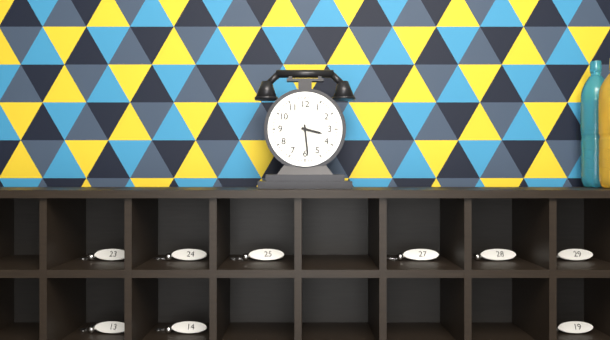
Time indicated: 3:29
